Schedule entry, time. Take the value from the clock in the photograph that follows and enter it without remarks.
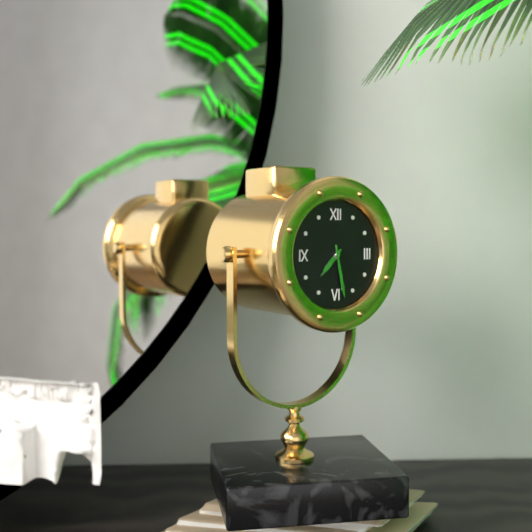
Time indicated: 7:28
